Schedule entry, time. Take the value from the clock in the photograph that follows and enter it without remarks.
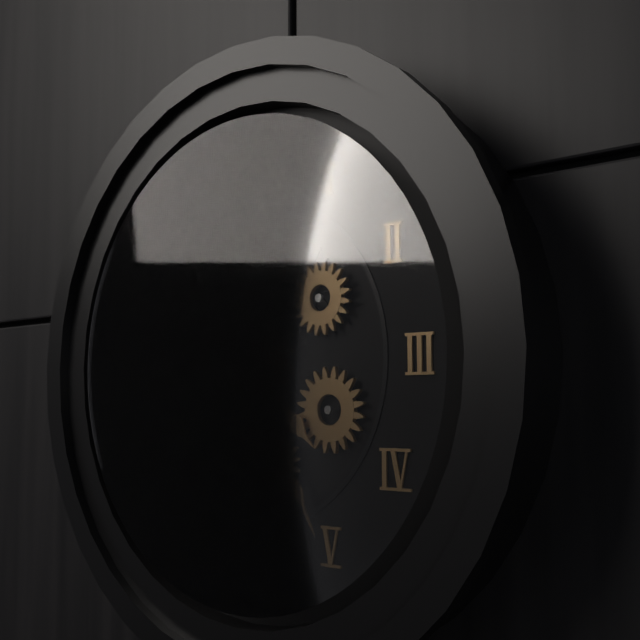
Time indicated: 4:25
